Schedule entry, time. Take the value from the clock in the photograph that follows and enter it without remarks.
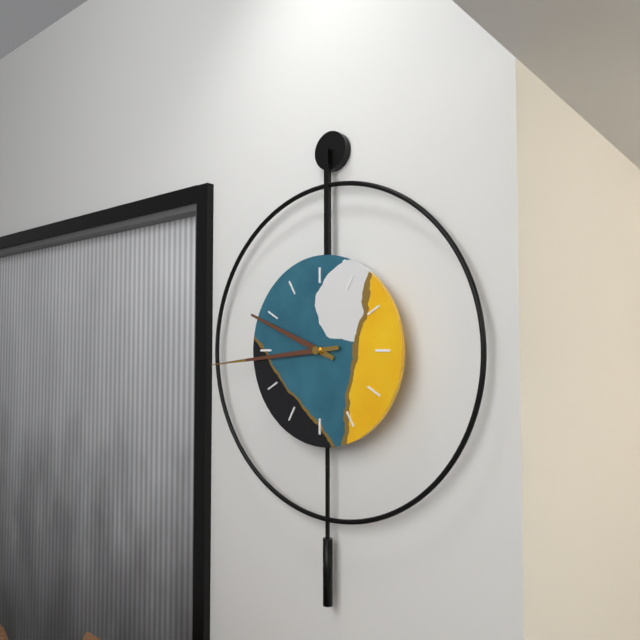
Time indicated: 9:44
